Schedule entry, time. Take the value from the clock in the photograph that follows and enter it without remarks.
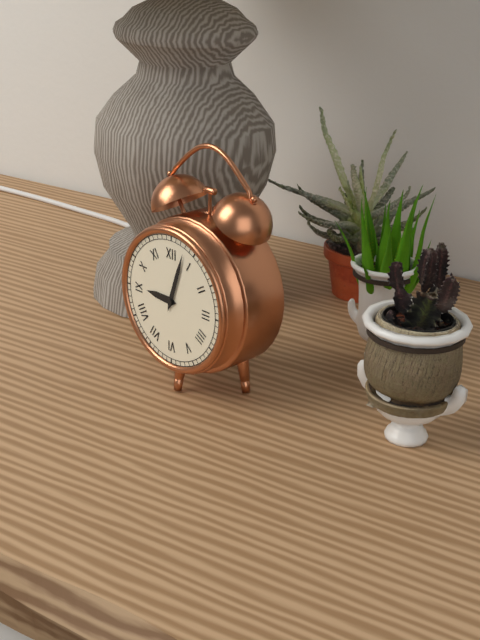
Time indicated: 9:03
